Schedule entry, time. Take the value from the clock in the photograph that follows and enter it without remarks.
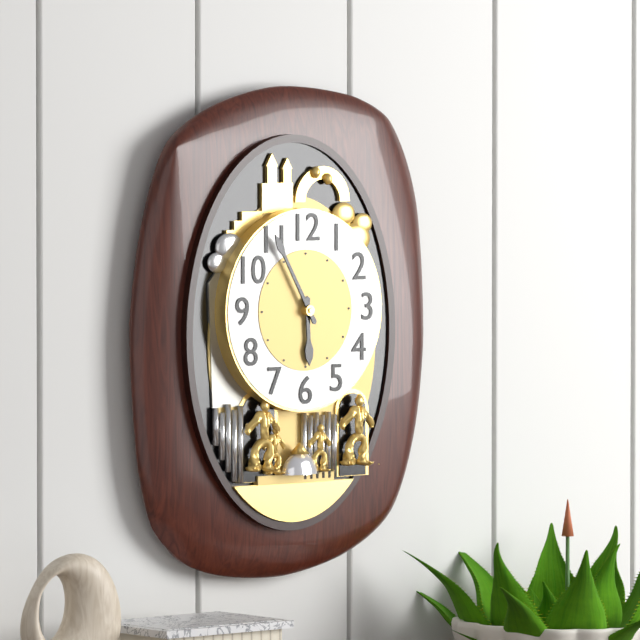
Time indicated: 5:55
